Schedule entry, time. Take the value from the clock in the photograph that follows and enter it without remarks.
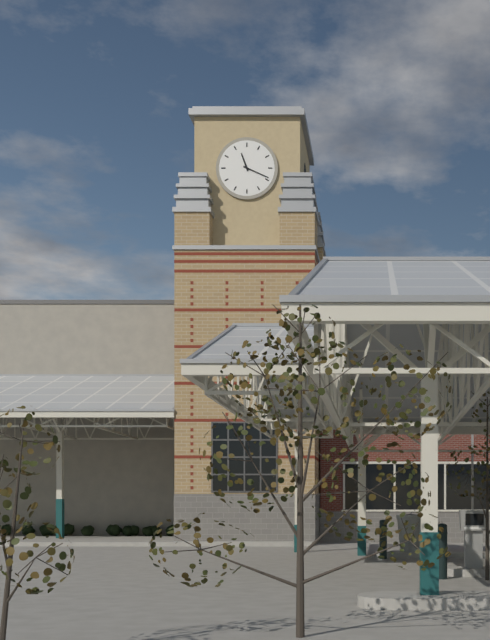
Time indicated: 11:19
